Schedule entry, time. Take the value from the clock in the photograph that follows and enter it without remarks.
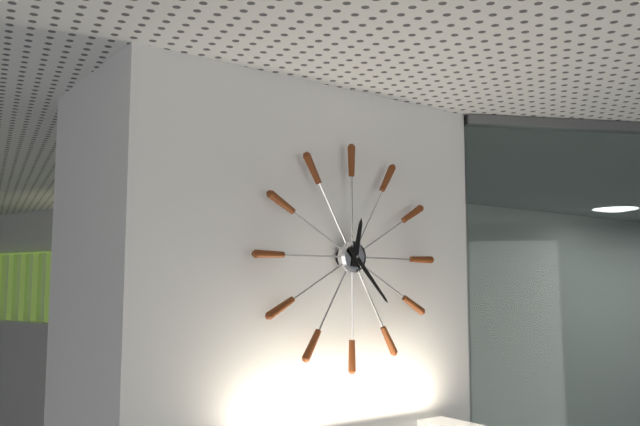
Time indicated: 12:23
